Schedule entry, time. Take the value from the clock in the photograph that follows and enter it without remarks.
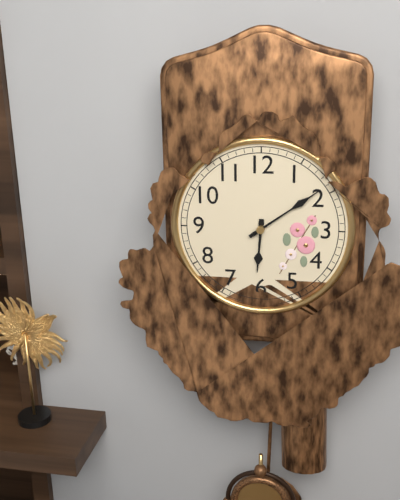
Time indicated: 6:09
